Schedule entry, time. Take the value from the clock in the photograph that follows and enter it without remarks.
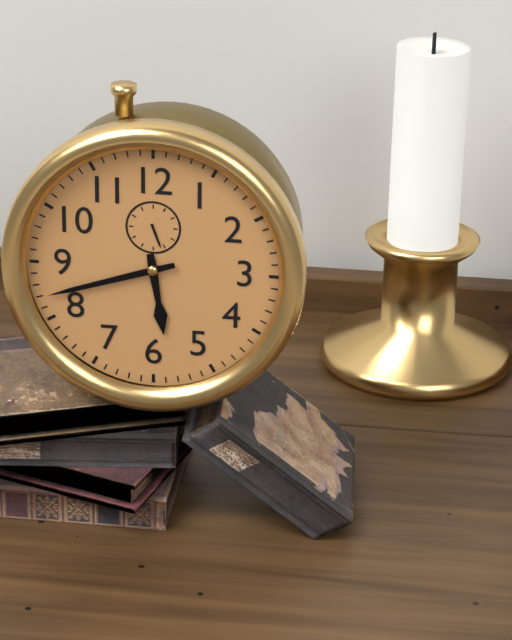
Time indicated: 5:42
